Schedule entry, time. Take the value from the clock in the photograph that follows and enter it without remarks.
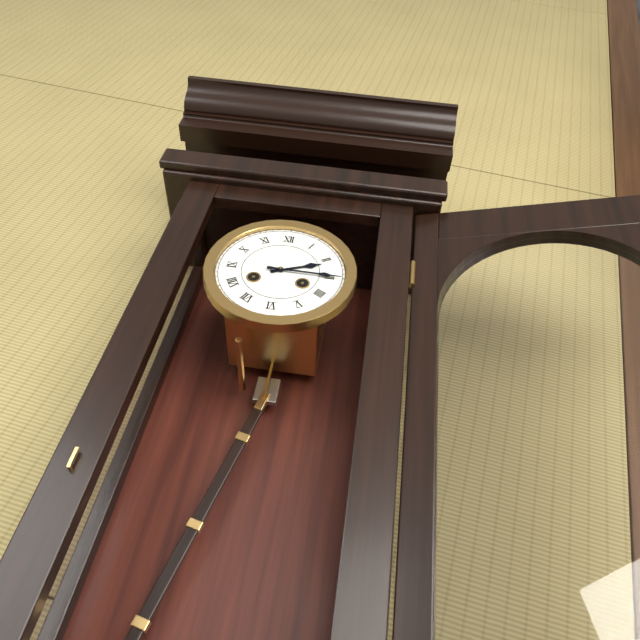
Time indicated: 2:15
